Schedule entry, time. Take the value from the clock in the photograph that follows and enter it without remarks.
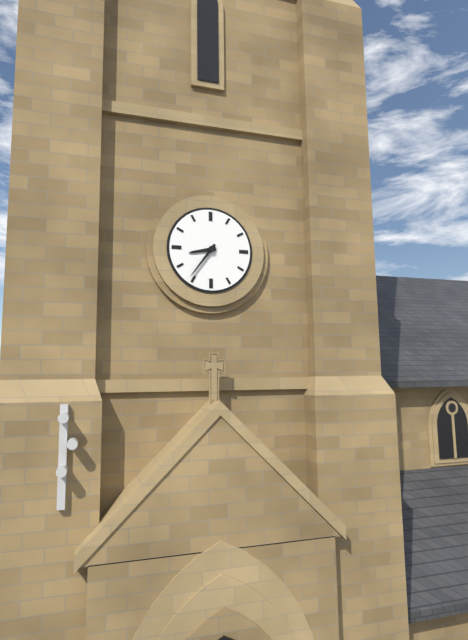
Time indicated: 8:36
